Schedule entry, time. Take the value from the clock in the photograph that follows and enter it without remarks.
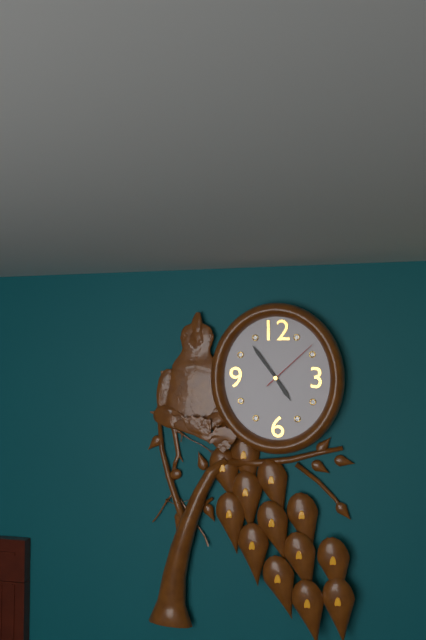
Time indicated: 4:54:08
